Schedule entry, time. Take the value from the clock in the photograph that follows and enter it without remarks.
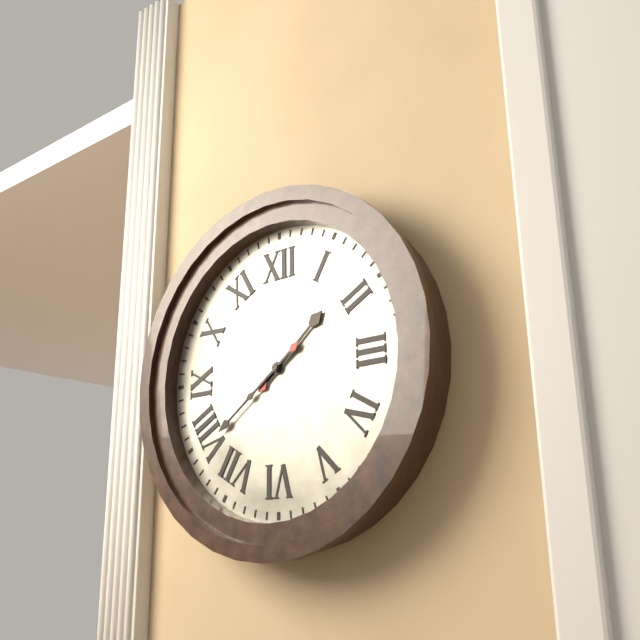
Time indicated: 1:39
